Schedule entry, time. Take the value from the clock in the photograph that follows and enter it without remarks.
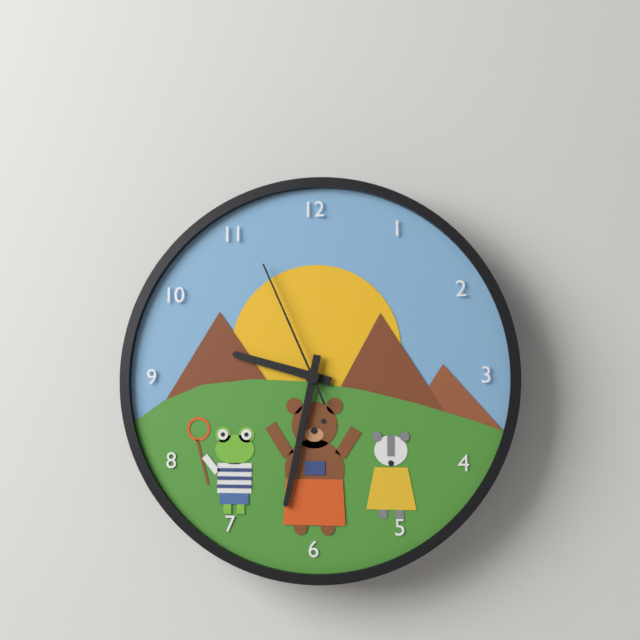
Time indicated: 9:32:56
